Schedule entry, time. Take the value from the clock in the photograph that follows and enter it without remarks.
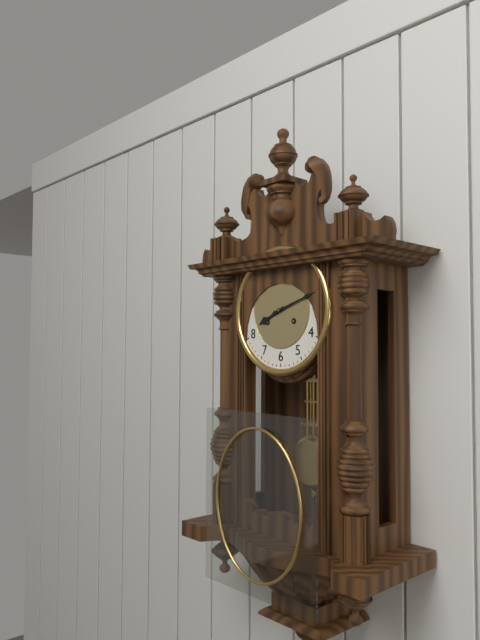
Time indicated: 8:12
